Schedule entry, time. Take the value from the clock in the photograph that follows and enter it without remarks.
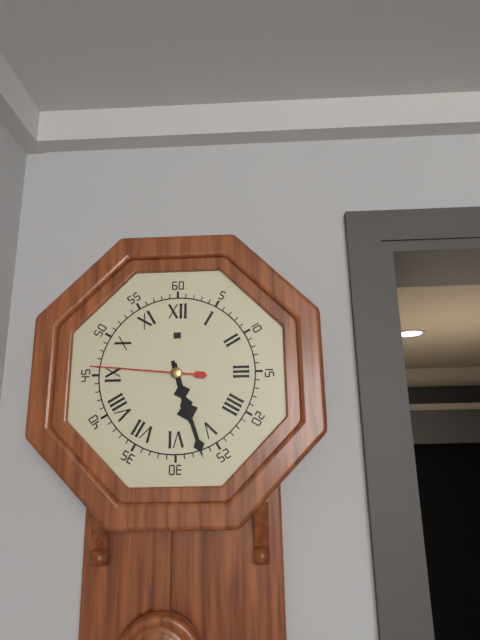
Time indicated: 5:27:46
